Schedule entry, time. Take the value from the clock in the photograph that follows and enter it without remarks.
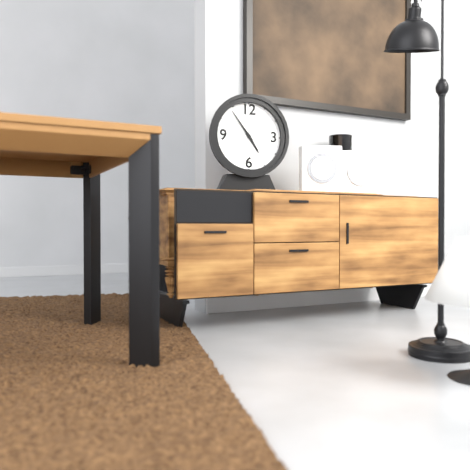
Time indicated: 4:54
